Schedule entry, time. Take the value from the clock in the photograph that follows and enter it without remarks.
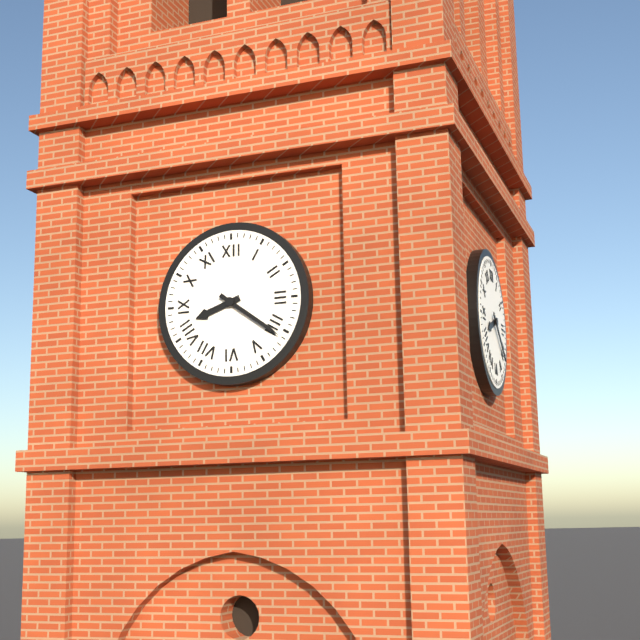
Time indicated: 8:21
